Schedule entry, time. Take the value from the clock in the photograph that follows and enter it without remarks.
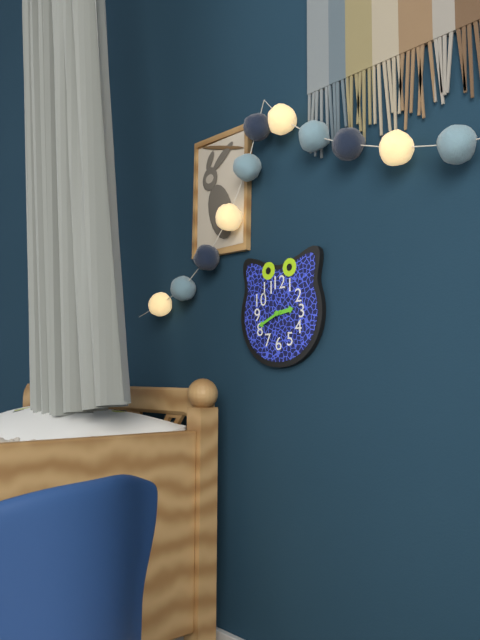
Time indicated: 2:41
